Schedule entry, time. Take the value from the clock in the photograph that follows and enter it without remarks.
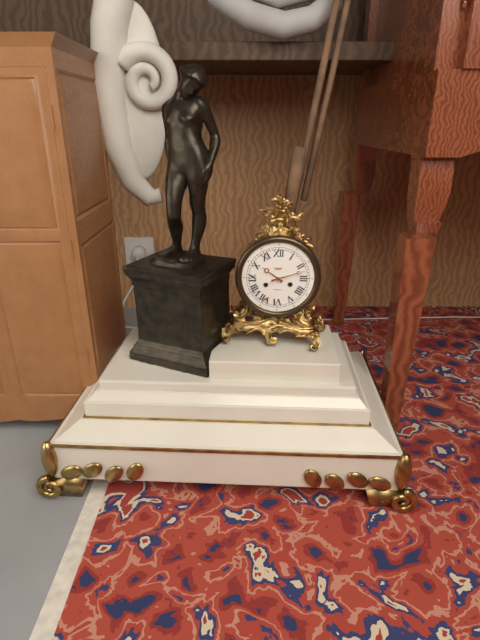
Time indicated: 10:12
